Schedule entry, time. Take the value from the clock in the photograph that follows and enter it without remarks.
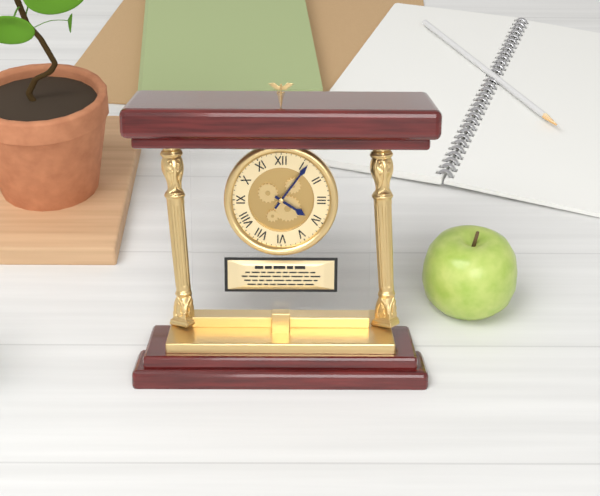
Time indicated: 4:06
